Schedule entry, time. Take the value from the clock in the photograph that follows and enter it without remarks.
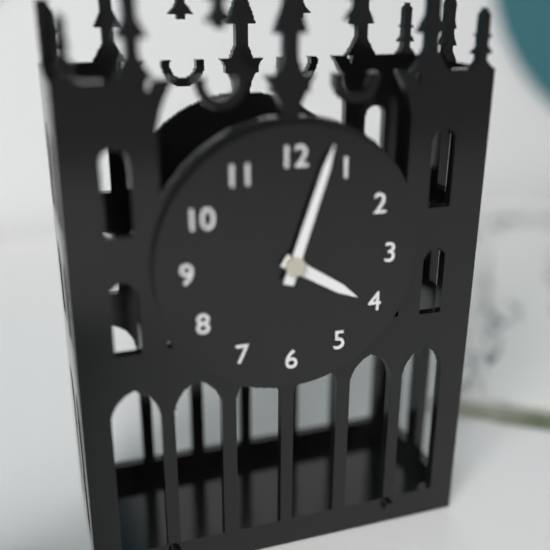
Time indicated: 4:03
